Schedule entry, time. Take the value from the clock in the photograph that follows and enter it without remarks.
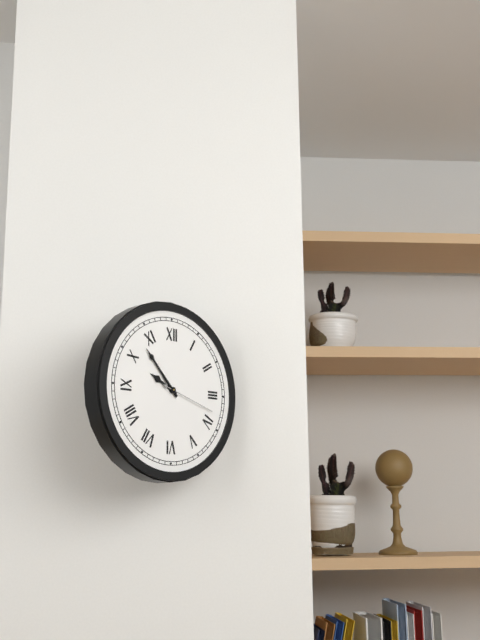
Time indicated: 9:53:18
